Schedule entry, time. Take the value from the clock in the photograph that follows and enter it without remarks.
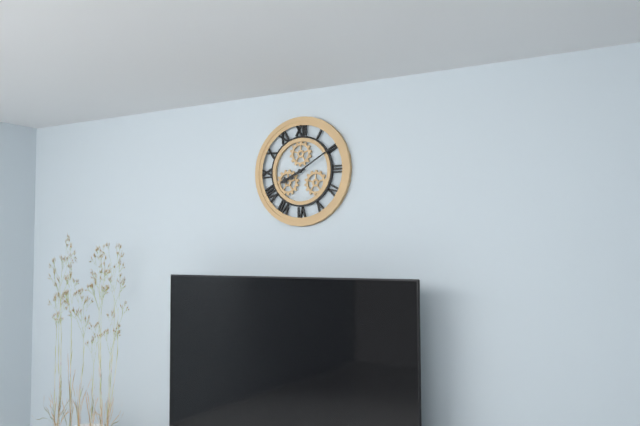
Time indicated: 8:10
